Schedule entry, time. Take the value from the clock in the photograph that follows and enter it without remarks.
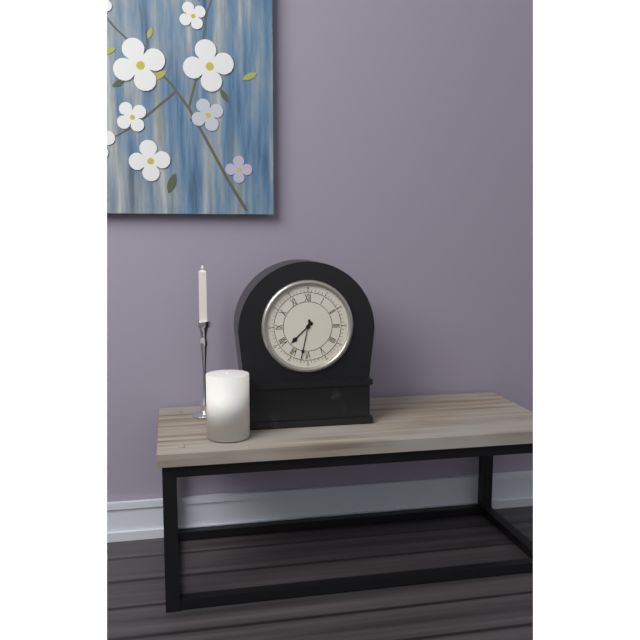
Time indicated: 7:32
